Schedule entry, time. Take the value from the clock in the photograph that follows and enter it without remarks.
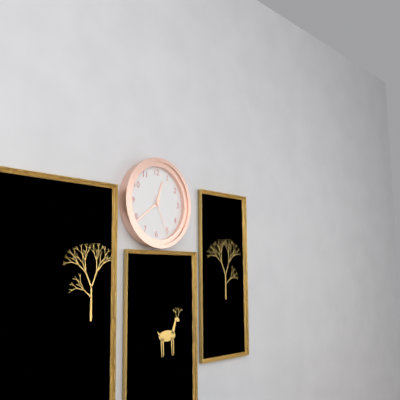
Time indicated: 12:39
